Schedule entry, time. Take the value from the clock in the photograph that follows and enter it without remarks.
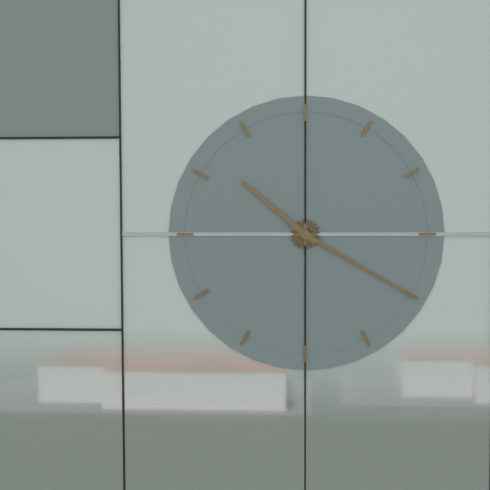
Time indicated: 10:20
